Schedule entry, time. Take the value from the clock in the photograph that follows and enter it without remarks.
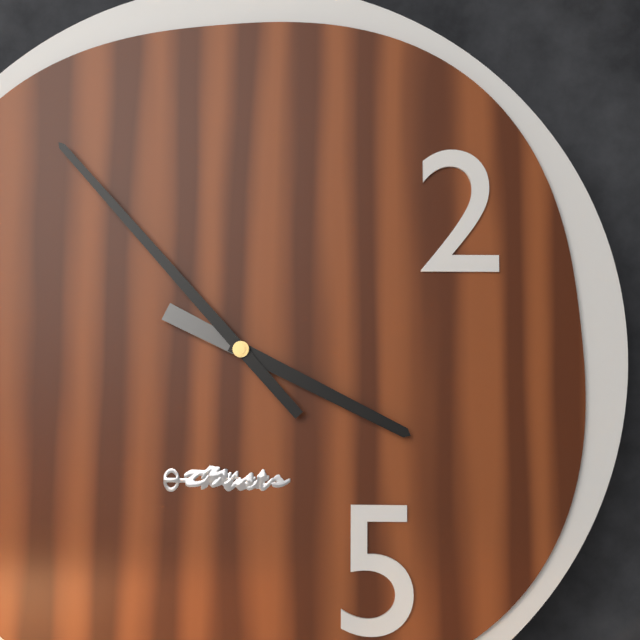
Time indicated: 3:53
